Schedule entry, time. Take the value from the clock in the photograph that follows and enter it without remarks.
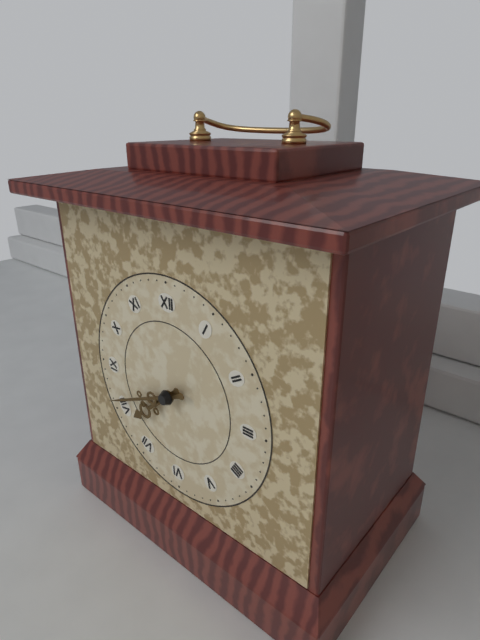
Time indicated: 7:41
